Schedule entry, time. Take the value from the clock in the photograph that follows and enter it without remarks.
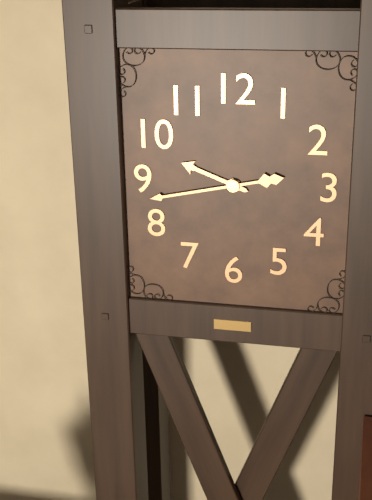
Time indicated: 9:43
